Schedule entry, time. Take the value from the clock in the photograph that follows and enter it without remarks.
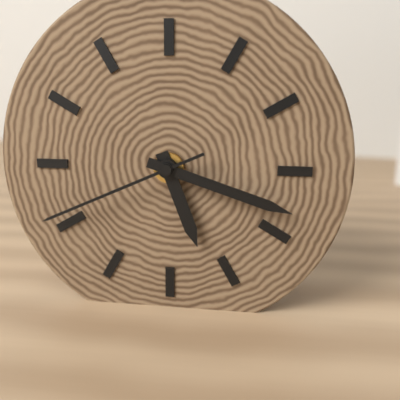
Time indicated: 5:18:41
